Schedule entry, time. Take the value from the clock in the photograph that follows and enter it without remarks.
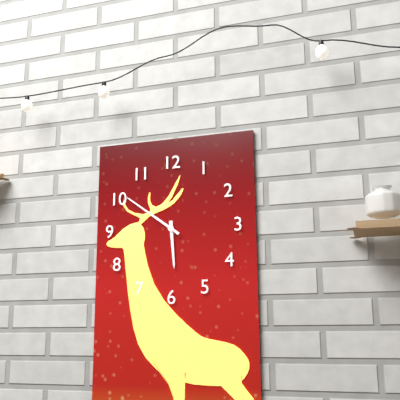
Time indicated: 5:51
